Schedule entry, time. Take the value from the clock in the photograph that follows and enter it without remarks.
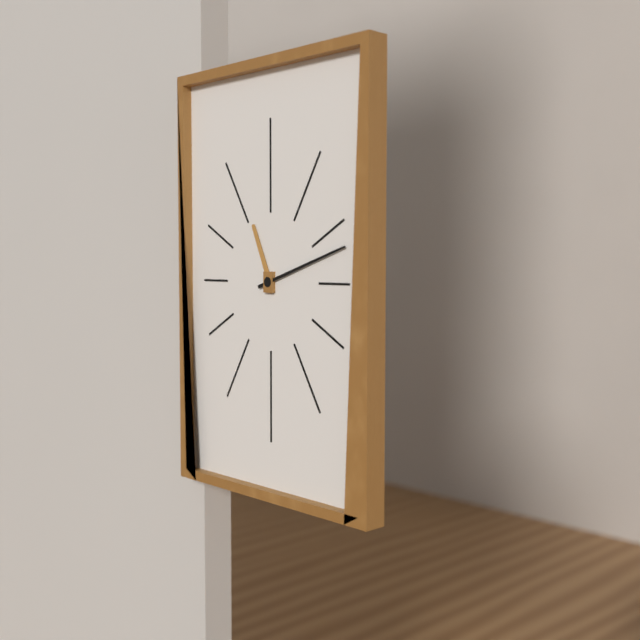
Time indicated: 11:12
